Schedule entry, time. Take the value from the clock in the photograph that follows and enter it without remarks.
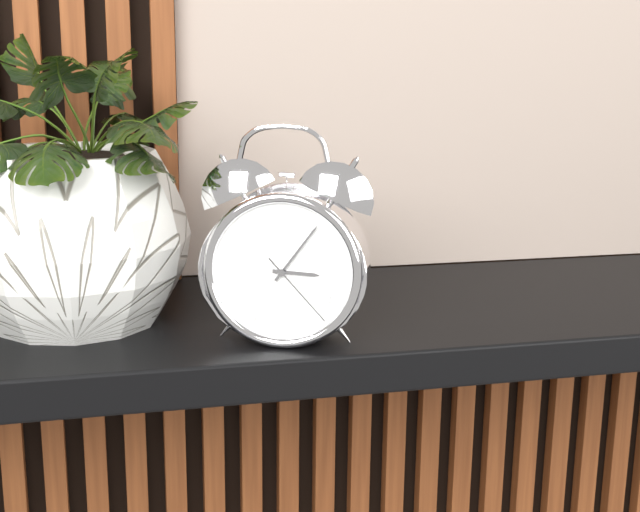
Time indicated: 3:06:23
